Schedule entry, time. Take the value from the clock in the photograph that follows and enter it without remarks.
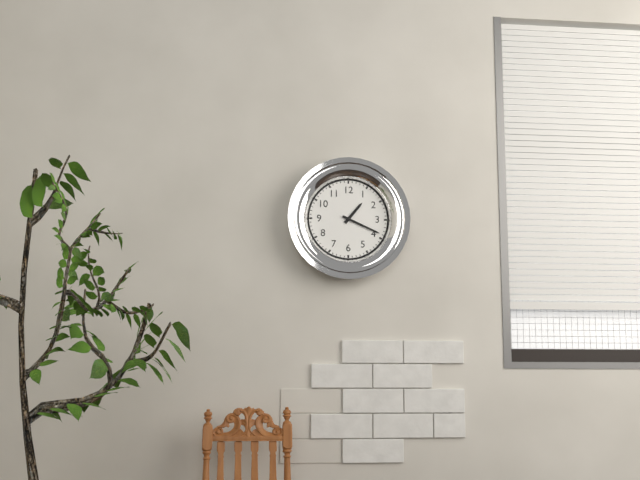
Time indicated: 1:19
